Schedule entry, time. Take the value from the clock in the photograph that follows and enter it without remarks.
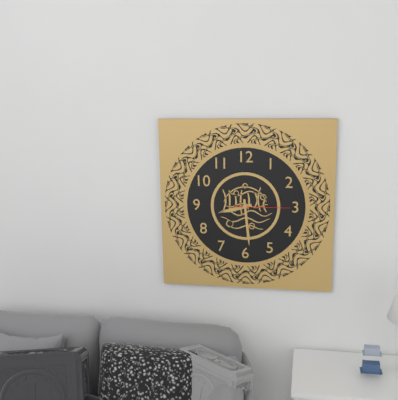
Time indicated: 8:29:15
